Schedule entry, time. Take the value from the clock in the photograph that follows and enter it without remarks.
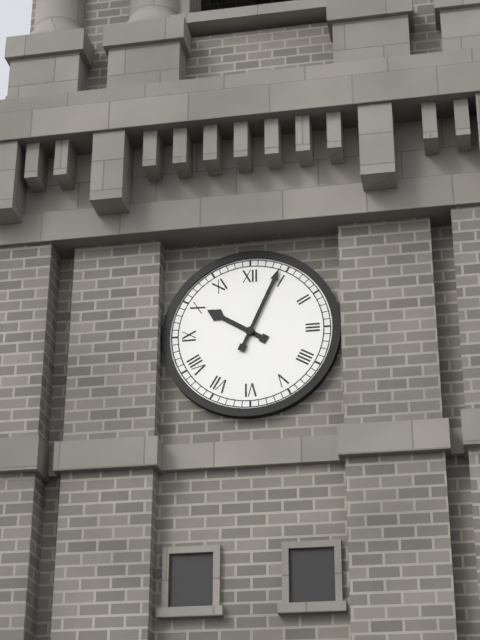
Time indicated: 10:04
